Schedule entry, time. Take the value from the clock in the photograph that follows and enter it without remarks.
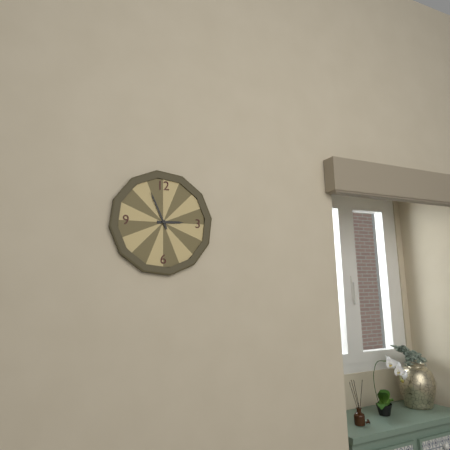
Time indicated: 2:56
